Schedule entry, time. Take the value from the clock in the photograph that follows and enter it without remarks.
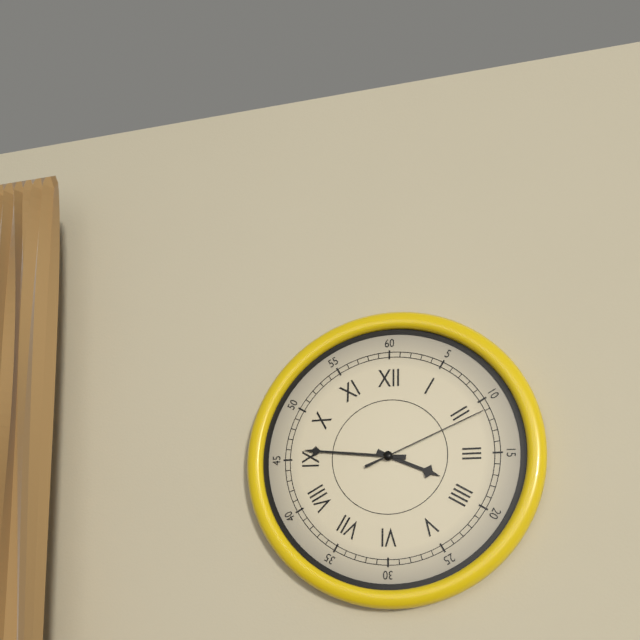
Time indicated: 3:46:11
